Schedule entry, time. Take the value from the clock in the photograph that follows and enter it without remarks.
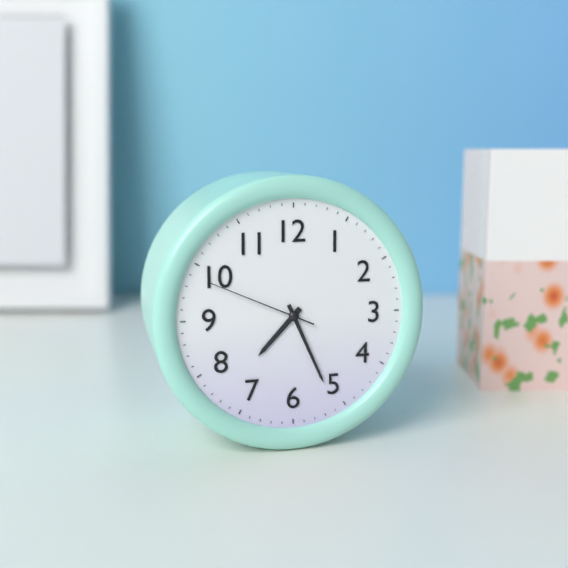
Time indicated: 7:26:49
